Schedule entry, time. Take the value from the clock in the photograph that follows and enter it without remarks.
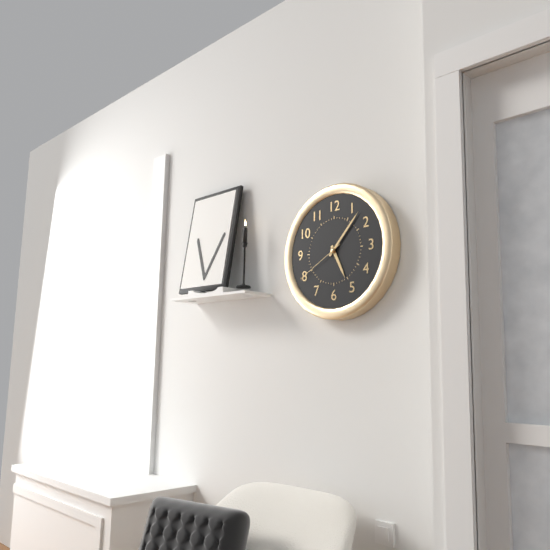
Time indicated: 5:07:40
